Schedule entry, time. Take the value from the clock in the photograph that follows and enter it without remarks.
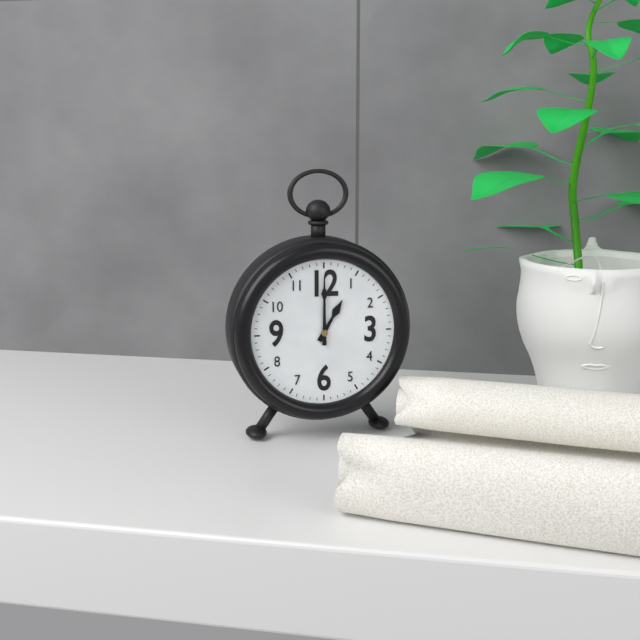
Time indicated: 1:00
